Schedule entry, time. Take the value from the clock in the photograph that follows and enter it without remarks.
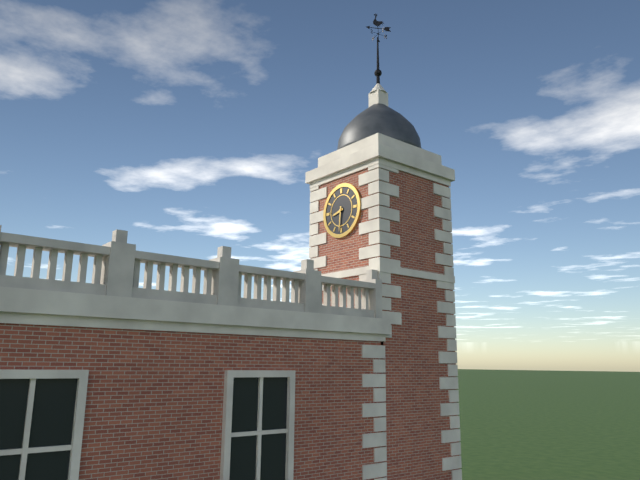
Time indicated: 8:31
